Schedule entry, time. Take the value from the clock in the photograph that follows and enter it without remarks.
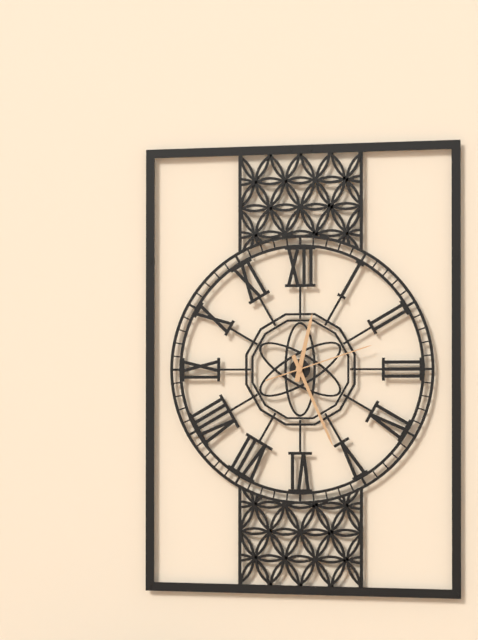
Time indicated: 12:26:12
